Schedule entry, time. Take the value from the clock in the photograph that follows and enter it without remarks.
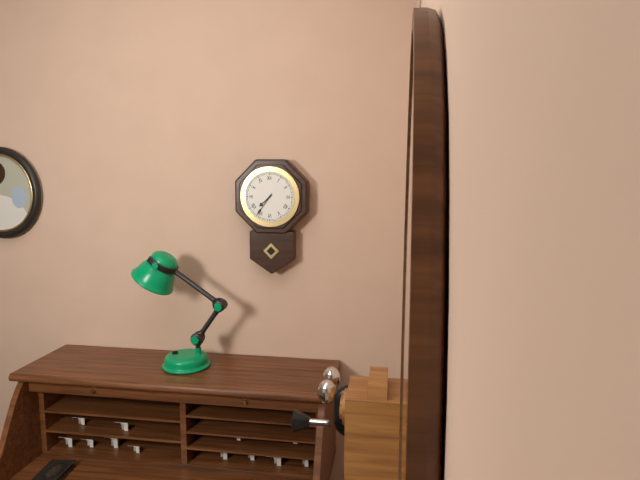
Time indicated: 7:36
